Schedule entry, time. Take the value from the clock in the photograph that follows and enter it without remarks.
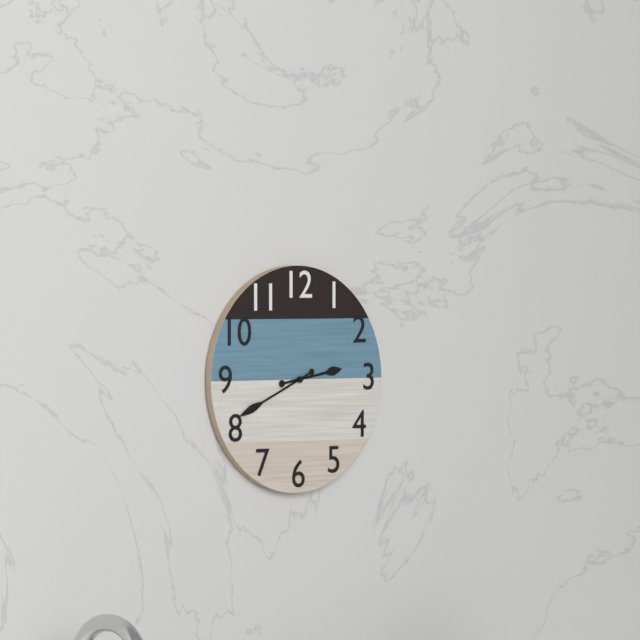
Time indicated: 2:41
